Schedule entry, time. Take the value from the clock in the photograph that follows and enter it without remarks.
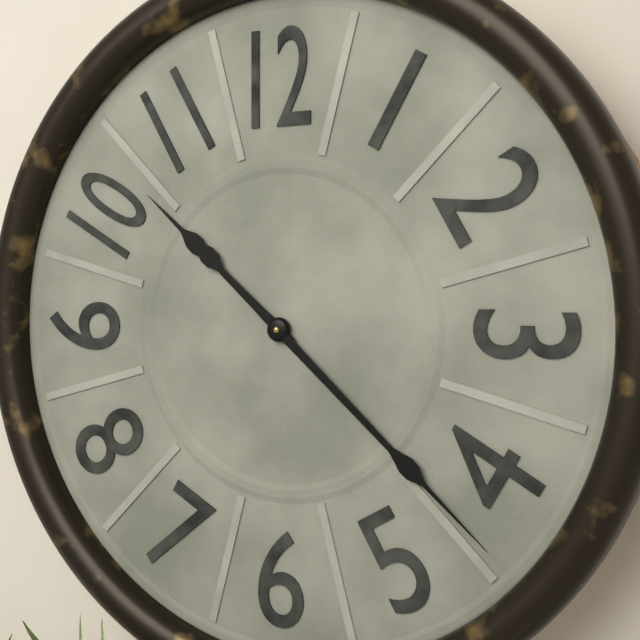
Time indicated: 10:22
